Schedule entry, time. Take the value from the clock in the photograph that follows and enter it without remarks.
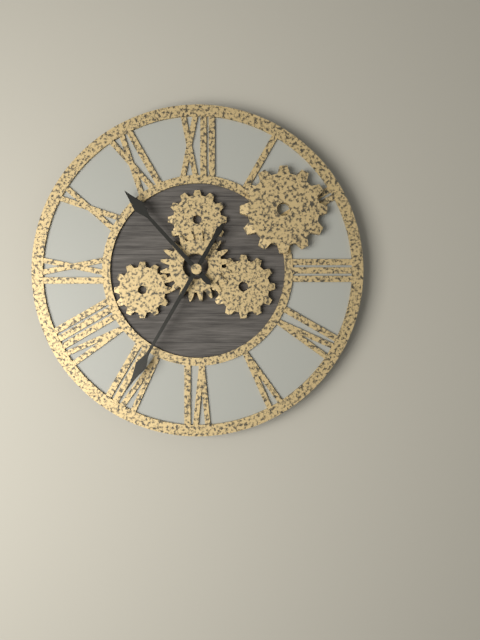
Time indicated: 10:35
